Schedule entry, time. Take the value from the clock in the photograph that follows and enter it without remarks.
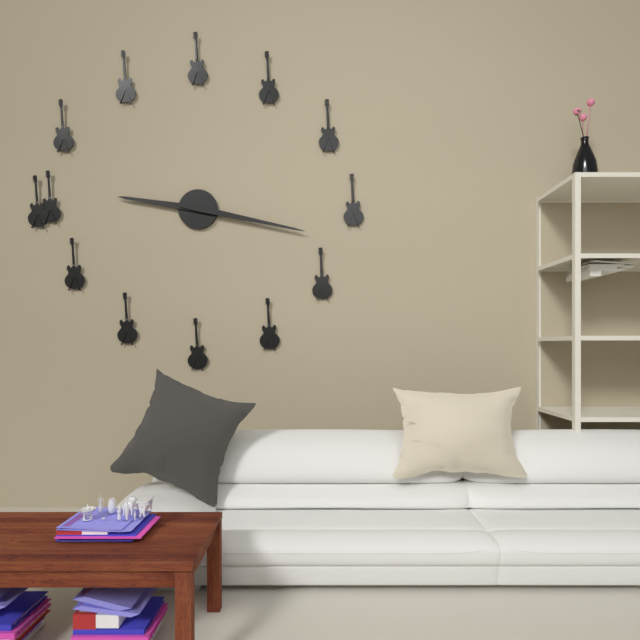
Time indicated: 9:17
